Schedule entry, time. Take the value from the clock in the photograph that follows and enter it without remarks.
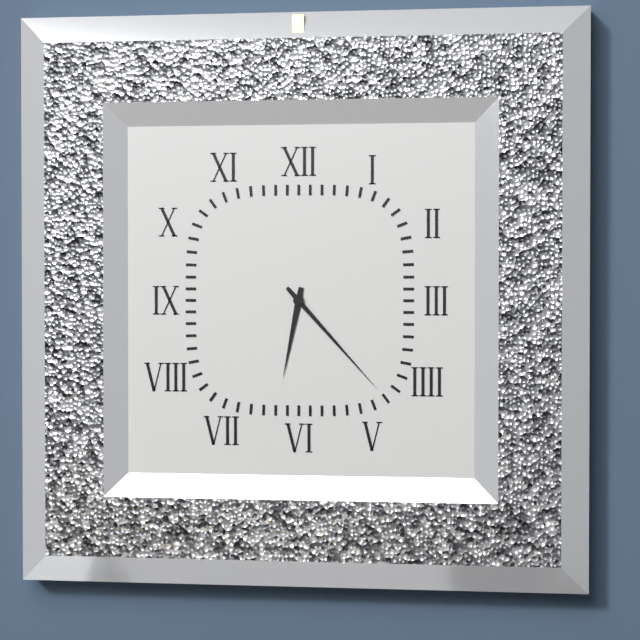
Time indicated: 6:23
